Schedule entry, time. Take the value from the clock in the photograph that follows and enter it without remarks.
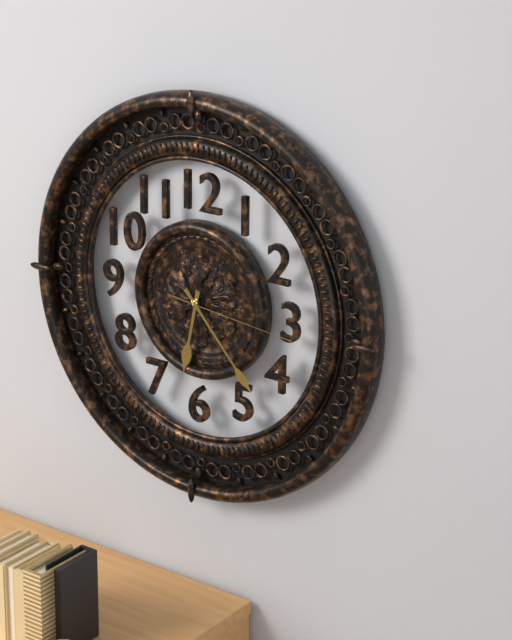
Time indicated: 6:23:16
